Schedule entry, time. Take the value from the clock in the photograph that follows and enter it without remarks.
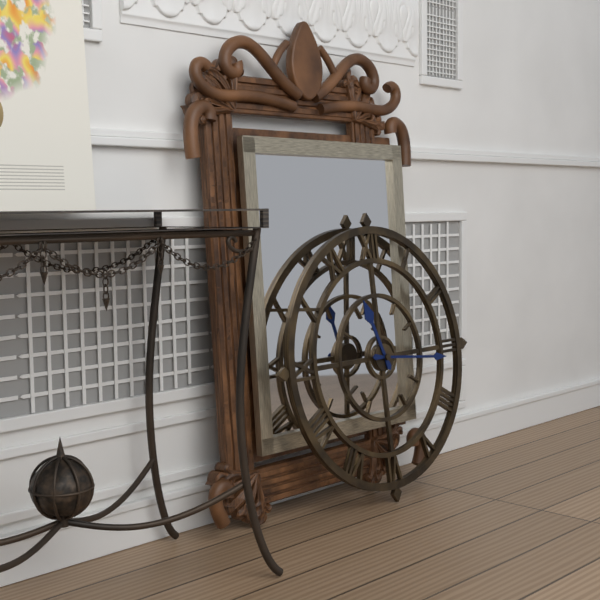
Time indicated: 11:16
